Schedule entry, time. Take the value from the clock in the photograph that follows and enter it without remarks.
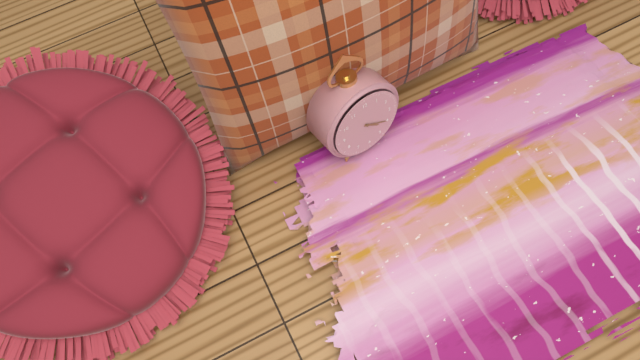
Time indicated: 4:20
